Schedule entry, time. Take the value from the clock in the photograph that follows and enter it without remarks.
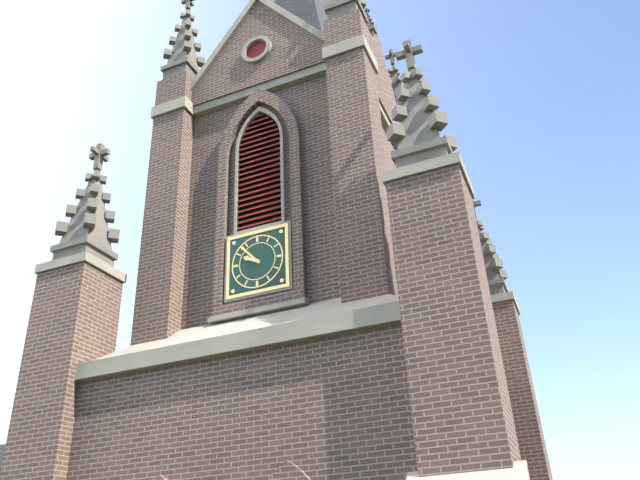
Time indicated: 9:53
